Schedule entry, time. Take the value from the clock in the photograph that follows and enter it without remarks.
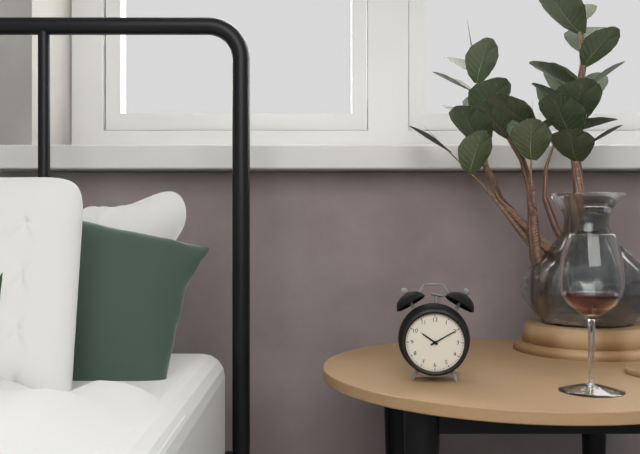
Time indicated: 10:10
